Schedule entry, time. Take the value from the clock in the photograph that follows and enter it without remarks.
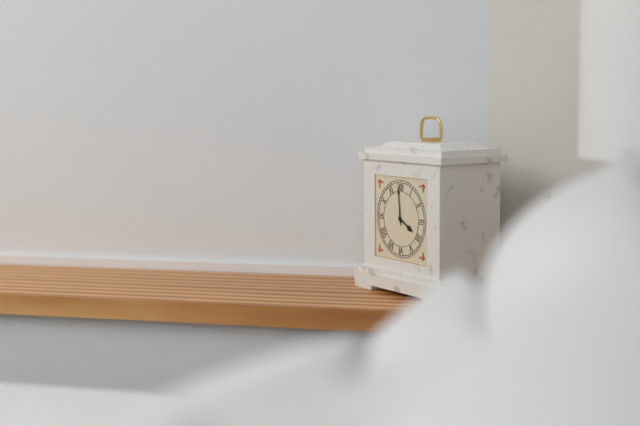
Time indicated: 3:59
